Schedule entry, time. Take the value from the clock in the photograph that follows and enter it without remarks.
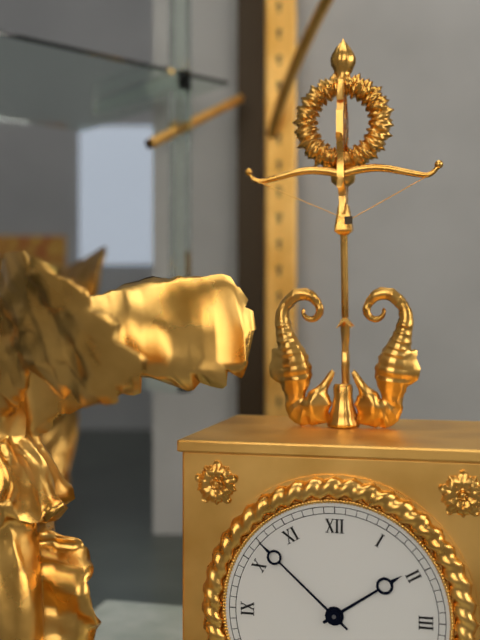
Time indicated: 1:52
